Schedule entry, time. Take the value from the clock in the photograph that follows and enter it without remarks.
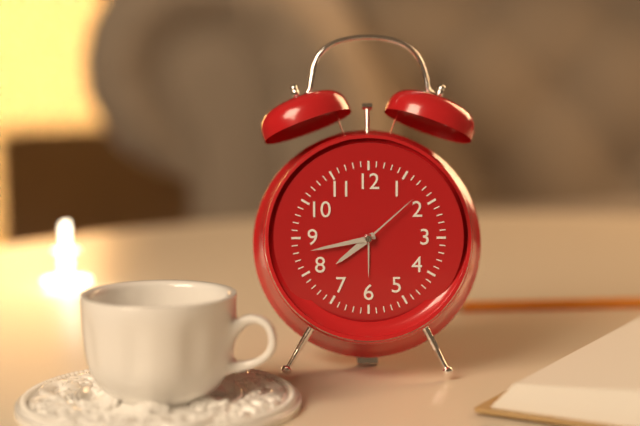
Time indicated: 7:43:08
